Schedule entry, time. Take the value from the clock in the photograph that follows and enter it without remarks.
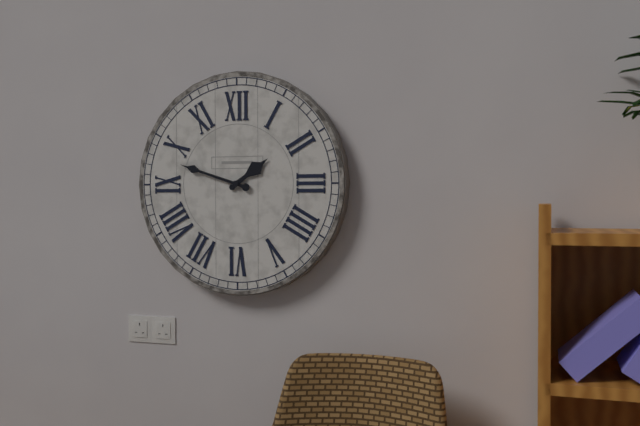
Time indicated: 1:48
